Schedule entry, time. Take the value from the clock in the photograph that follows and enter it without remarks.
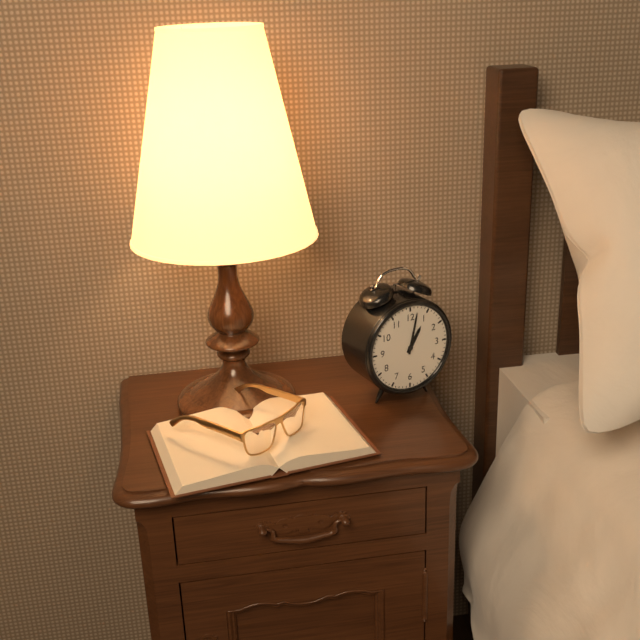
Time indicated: 1:02
